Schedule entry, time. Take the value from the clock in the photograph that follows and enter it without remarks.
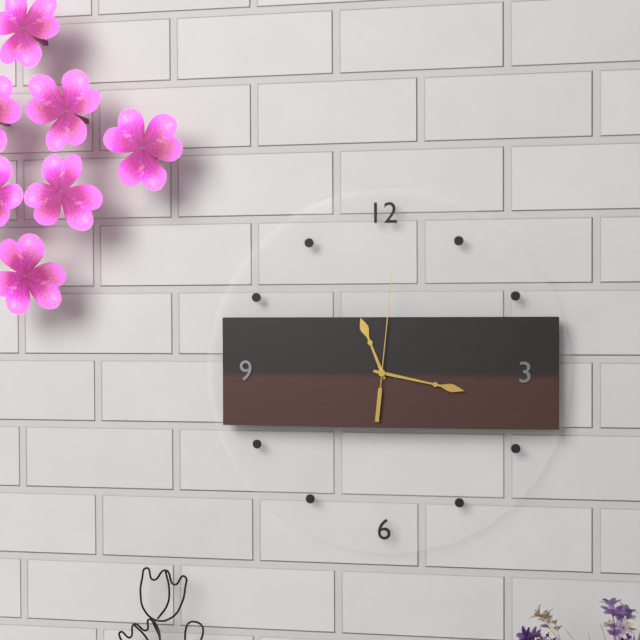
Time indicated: 11:17:01
